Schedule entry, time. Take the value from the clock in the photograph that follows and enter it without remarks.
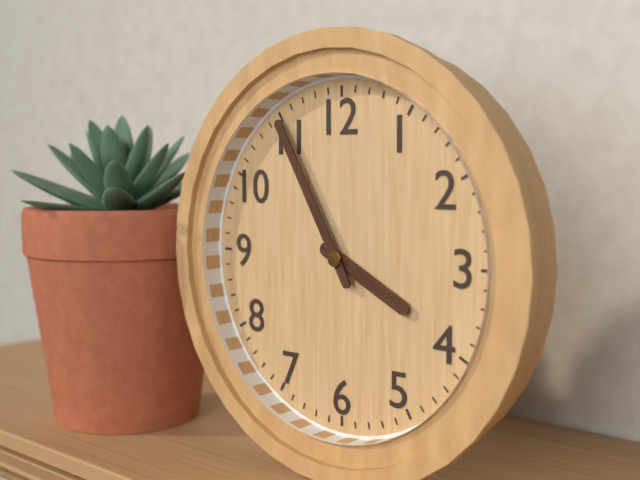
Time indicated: 3:55
